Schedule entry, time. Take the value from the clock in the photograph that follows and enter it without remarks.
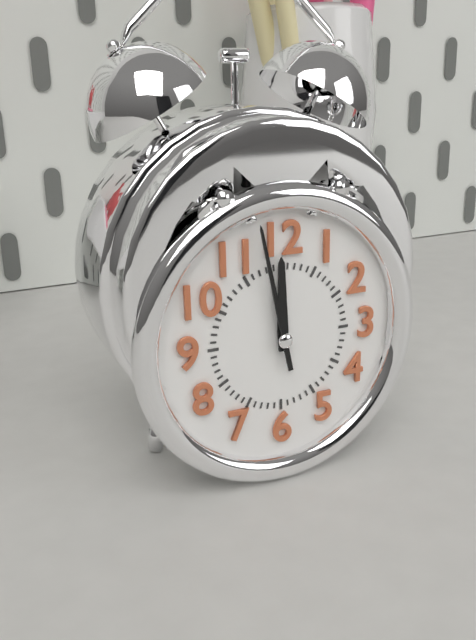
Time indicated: 11:58
